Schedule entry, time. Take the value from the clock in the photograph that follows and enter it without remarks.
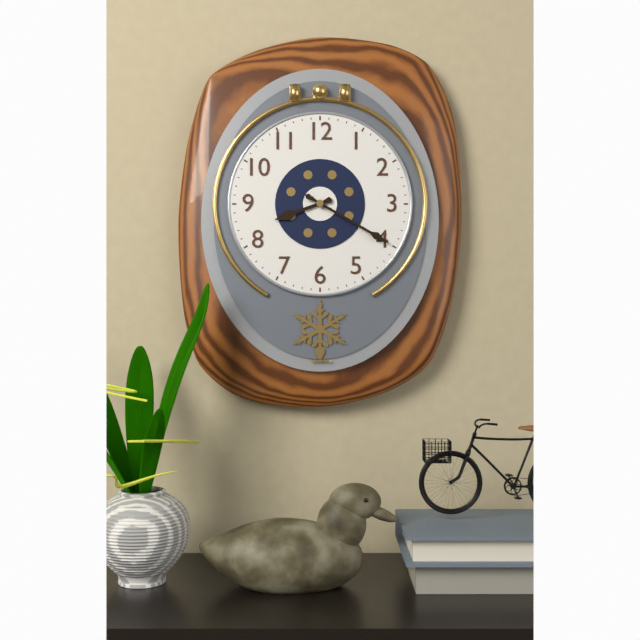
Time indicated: 8:20
